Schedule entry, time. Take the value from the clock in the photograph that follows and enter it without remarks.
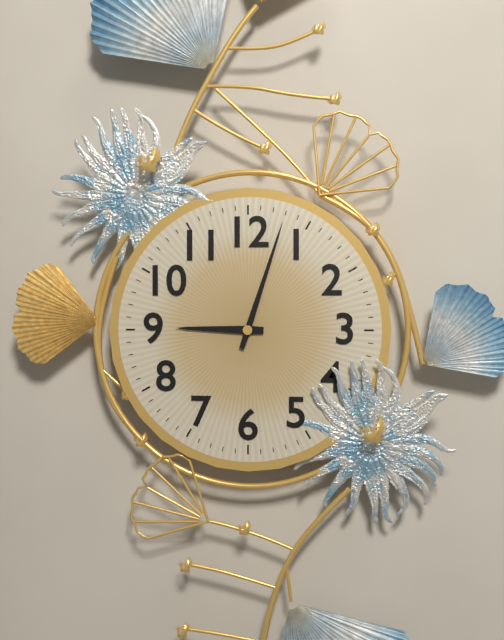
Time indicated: 9:03
